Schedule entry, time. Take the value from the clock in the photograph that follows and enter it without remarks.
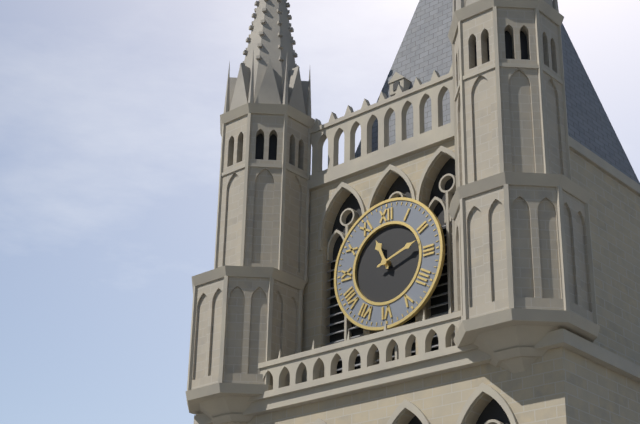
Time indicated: 11:12
